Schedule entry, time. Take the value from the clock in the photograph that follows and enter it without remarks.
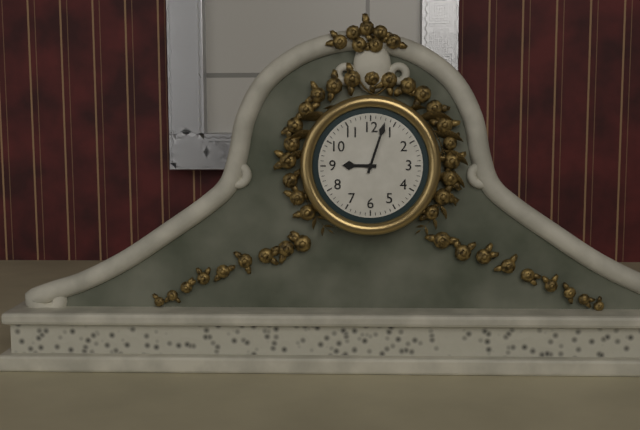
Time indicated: 9:03
